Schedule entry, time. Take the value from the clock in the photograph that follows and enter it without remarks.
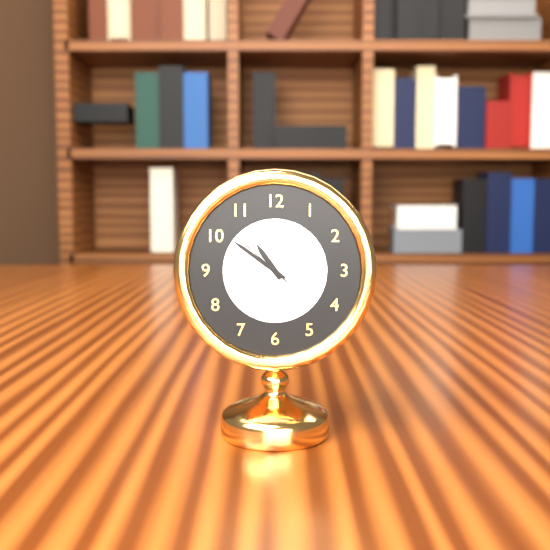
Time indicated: 10:51:52
